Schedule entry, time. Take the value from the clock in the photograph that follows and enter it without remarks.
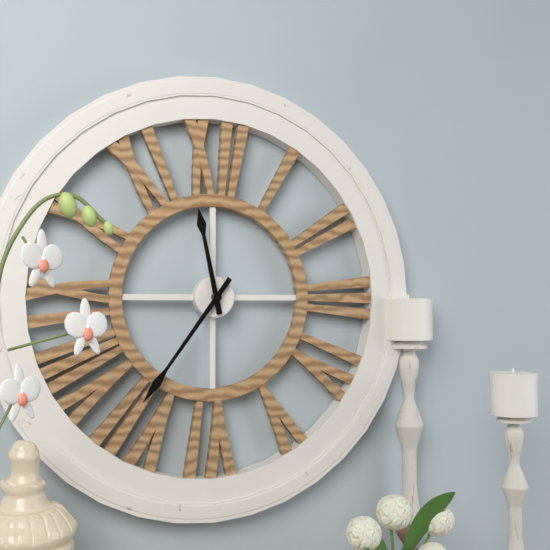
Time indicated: 11:36
